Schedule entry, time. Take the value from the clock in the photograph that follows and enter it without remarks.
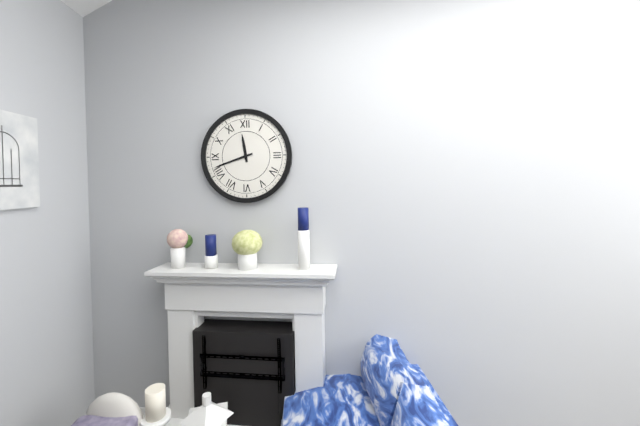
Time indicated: 11:42
